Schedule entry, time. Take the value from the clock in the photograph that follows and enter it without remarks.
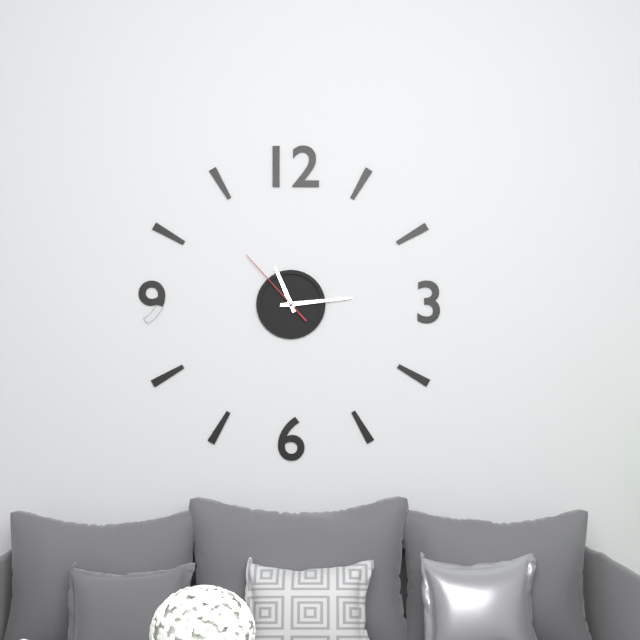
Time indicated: 11:14:53
